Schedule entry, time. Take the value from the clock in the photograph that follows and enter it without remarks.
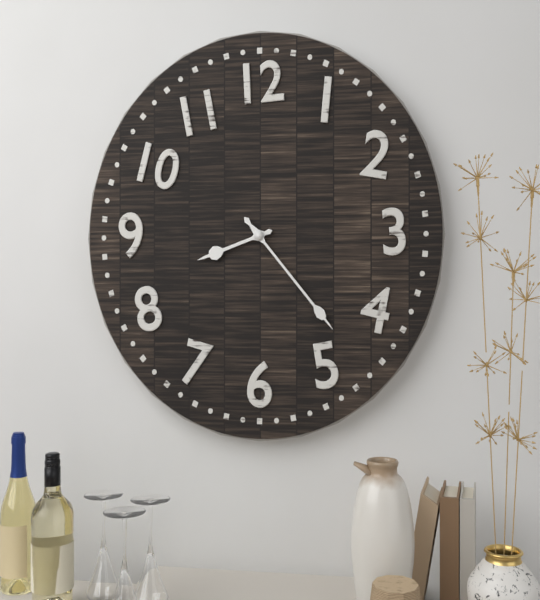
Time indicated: 8:23
